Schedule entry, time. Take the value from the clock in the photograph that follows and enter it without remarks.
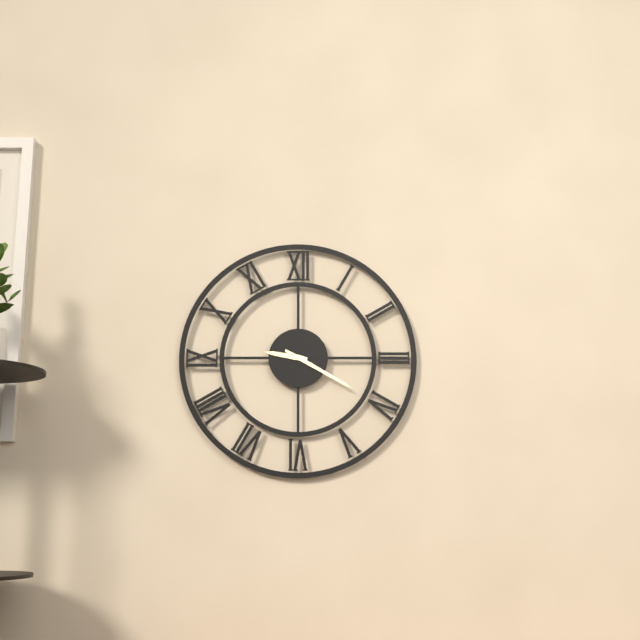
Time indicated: 9:20
